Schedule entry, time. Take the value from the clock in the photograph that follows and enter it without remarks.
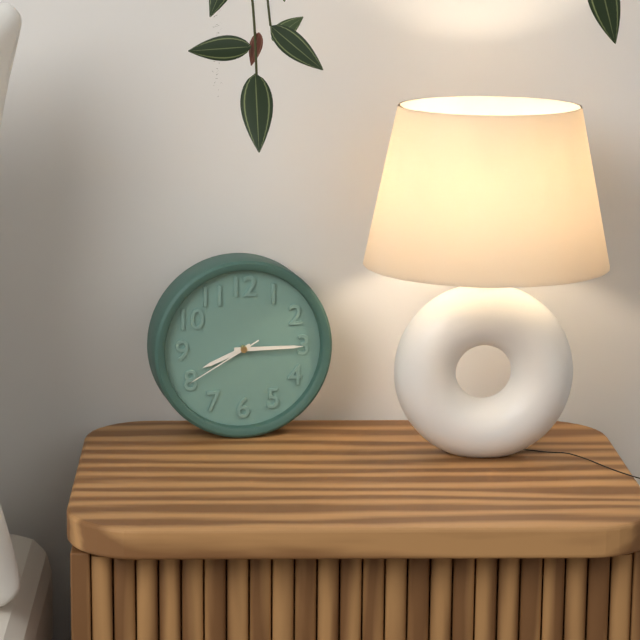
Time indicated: 8:15:40
